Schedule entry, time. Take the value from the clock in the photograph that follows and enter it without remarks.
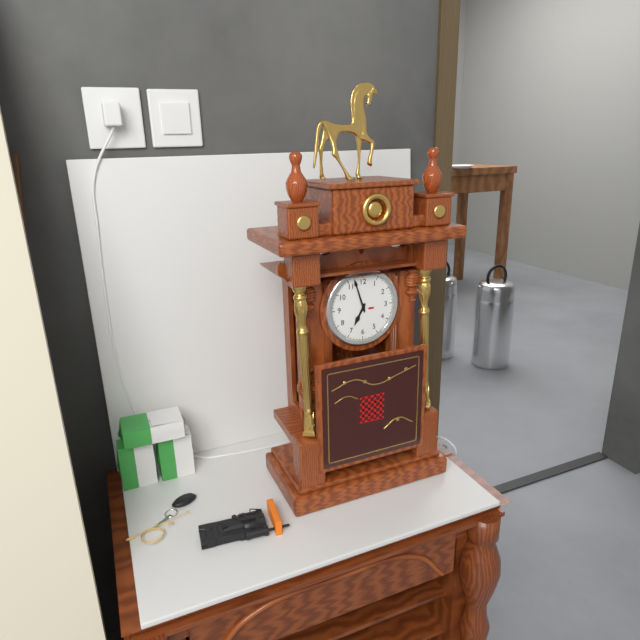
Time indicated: 6:57
